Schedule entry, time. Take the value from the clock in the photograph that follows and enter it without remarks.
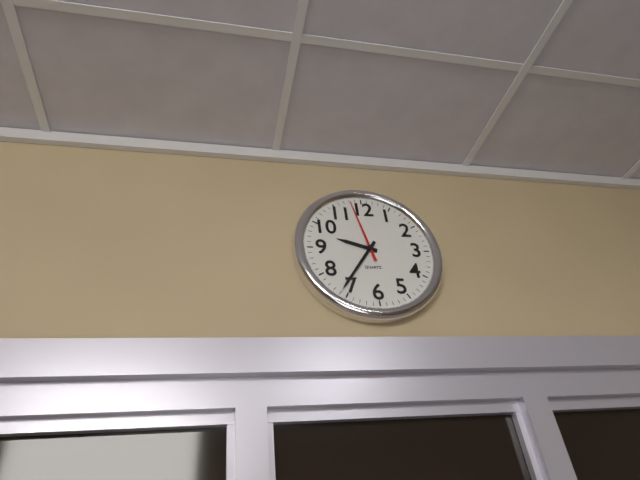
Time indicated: 9:36:58
